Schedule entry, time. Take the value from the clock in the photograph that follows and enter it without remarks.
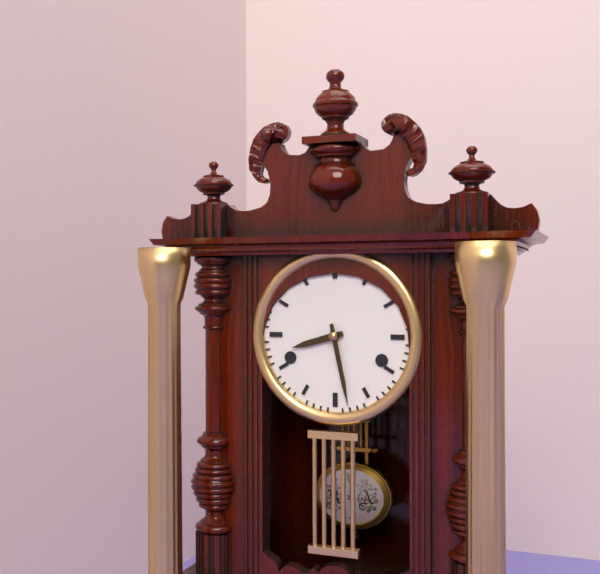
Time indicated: 8:28
